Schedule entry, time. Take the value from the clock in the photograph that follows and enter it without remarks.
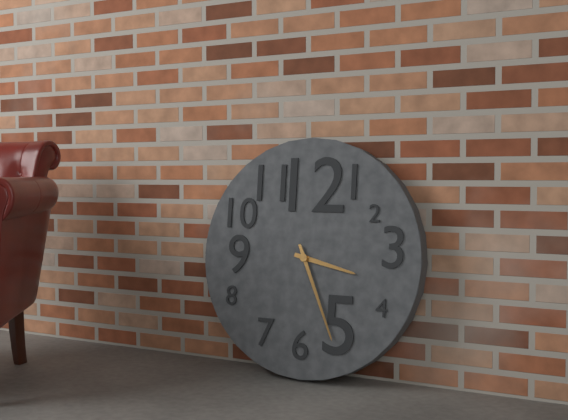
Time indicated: 3:26
